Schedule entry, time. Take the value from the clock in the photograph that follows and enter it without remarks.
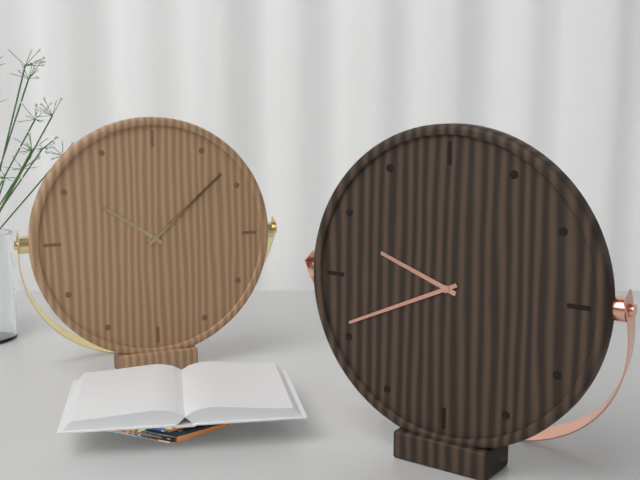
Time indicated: 9:41
